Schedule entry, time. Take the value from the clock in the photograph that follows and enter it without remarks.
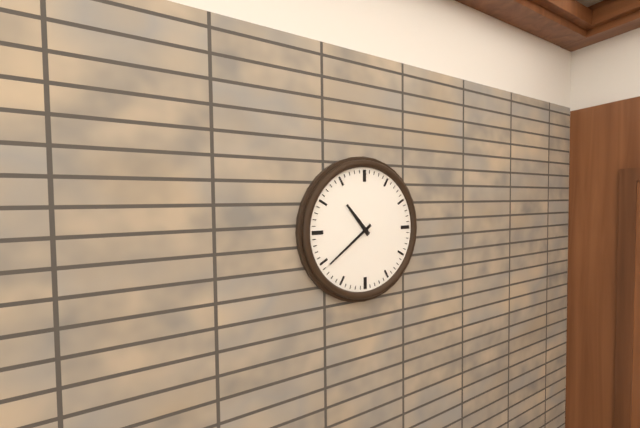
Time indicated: 10:39
